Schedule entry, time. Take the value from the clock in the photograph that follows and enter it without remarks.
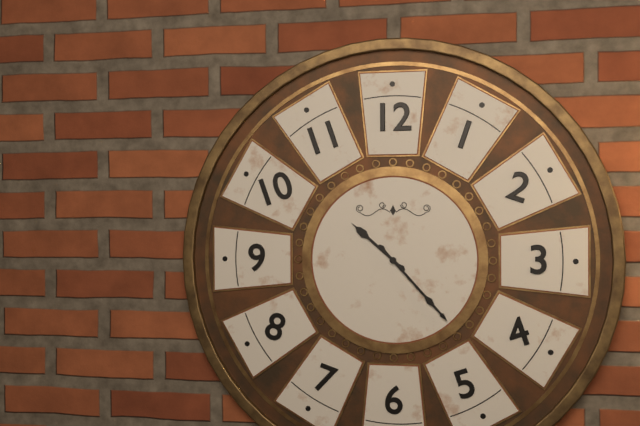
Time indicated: 10:23
